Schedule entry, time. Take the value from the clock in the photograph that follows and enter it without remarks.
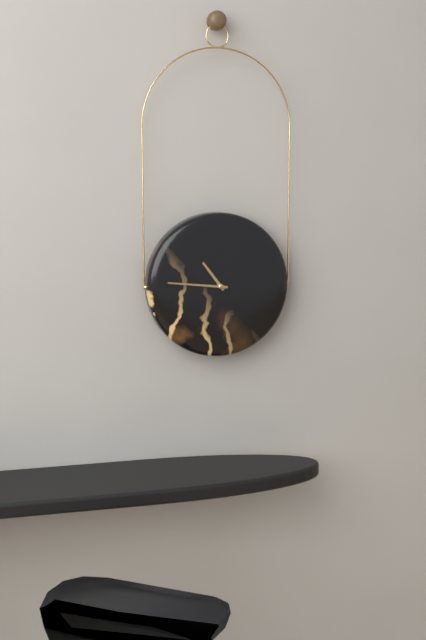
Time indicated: 10:46
